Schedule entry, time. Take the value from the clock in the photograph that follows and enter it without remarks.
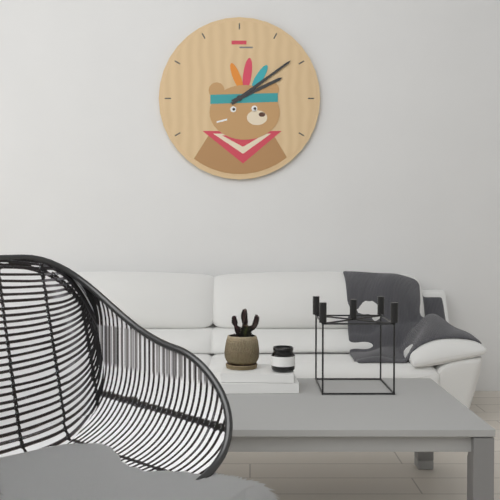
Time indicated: 2:09
